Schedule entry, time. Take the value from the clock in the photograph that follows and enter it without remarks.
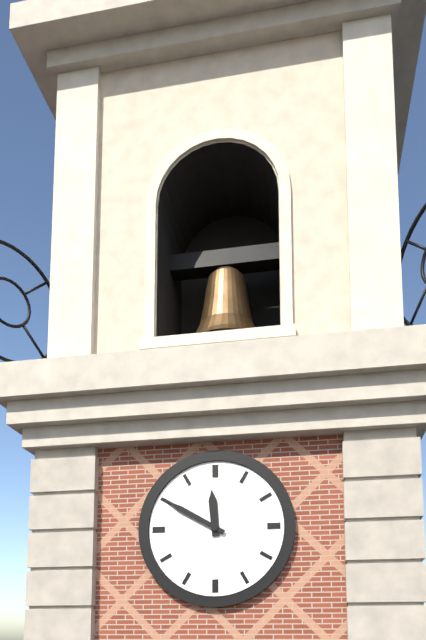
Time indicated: 11:50
